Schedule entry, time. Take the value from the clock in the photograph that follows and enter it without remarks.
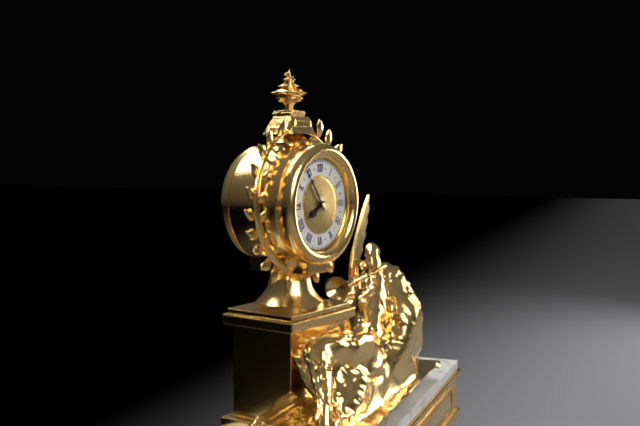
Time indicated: 7:54
